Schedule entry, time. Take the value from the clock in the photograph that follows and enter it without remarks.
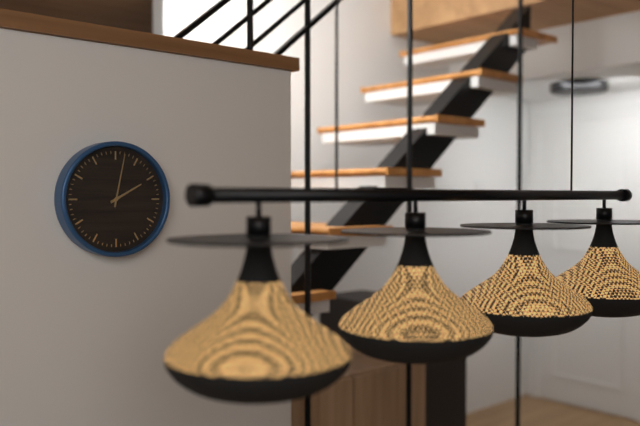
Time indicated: 2:02
